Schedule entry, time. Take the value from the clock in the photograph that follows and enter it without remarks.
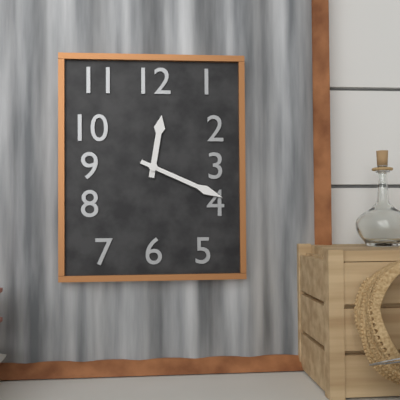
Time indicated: 12:19
